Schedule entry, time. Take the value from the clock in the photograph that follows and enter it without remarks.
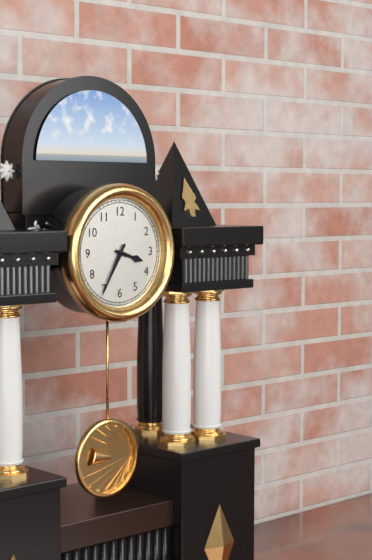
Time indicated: 3:35
